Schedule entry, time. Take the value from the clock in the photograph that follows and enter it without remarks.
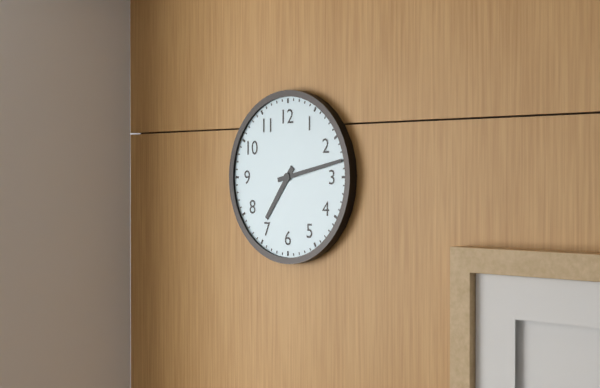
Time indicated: 7:13
